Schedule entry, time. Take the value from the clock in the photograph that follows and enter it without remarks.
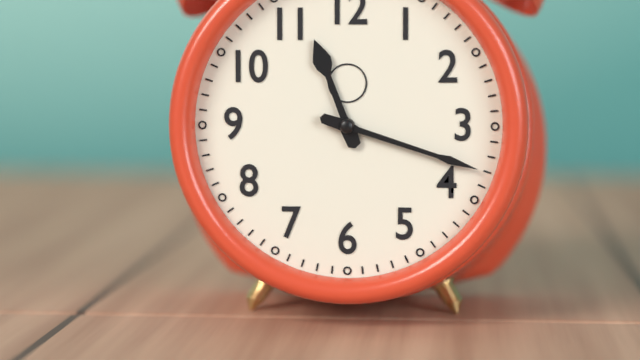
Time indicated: 11:18
